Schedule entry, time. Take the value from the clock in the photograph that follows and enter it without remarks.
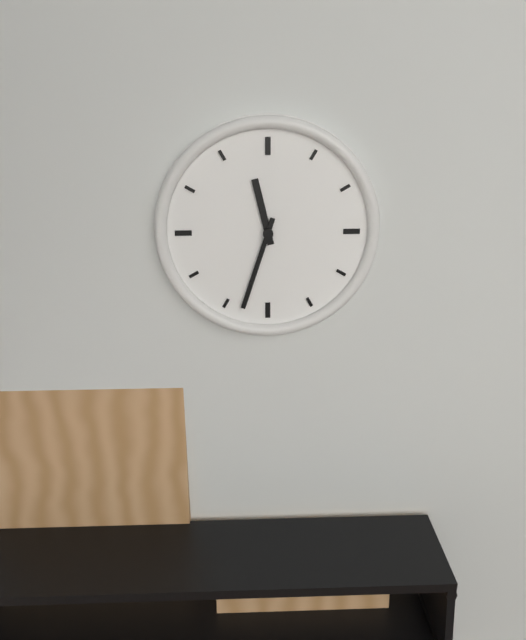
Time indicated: 11:33
